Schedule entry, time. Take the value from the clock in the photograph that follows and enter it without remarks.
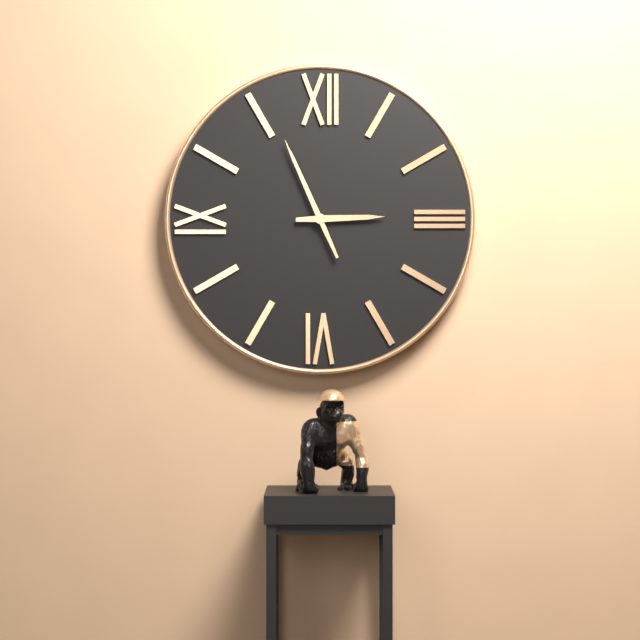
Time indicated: 2:56
